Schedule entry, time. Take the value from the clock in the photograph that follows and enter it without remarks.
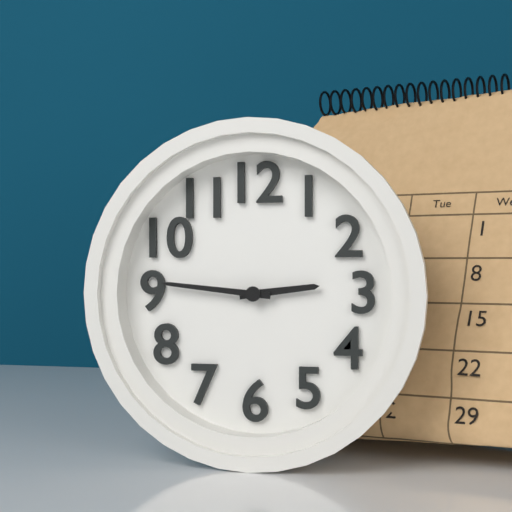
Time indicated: 2:46
